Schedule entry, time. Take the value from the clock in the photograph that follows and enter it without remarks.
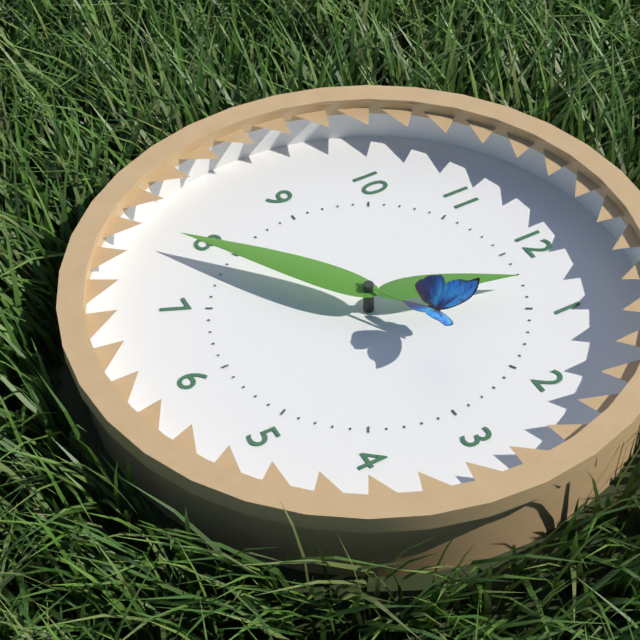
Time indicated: 12:39:10
